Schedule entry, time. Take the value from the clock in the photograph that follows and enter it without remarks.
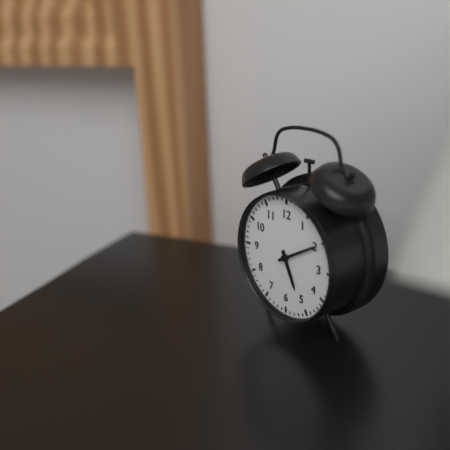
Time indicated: 5:10
